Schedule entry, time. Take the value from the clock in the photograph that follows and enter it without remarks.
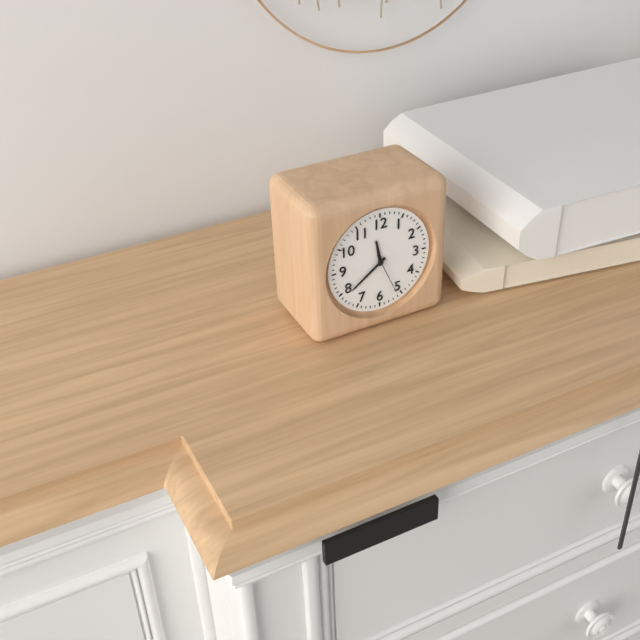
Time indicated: 11:39
